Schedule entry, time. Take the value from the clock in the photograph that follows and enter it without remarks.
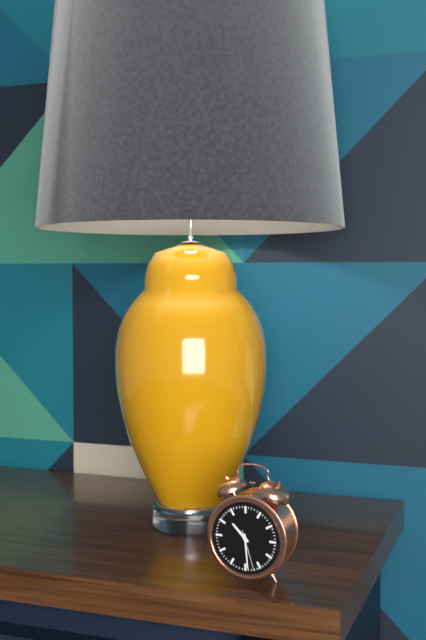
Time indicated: 10:29
